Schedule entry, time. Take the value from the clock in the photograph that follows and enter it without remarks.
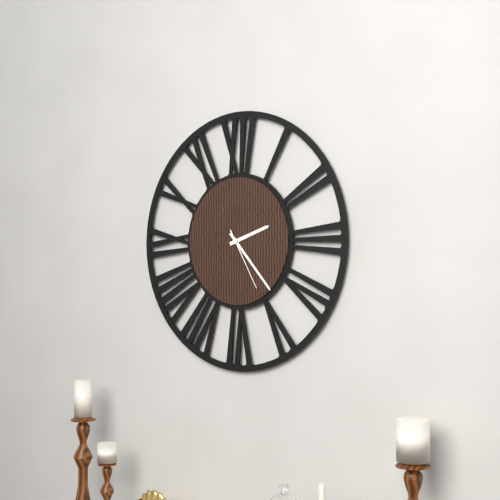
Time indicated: 2:23:25
